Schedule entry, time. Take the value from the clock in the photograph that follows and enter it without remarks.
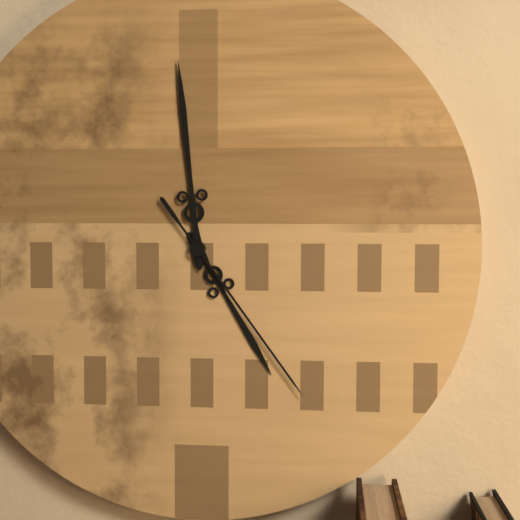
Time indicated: 4:59:24
